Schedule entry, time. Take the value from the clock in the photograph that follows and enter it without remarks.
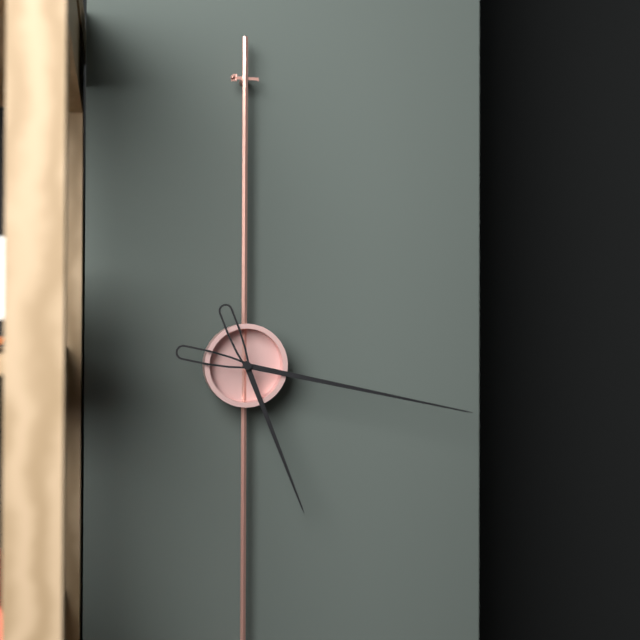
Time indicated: 5:17
